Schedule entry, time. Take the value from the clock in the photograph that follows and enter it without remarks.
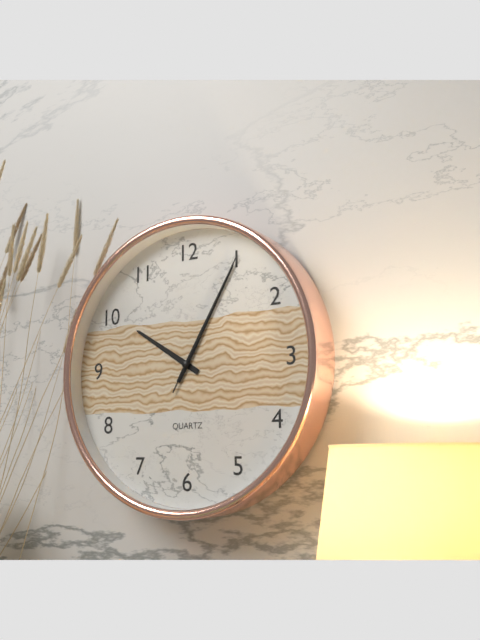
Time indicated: 10:05:05
